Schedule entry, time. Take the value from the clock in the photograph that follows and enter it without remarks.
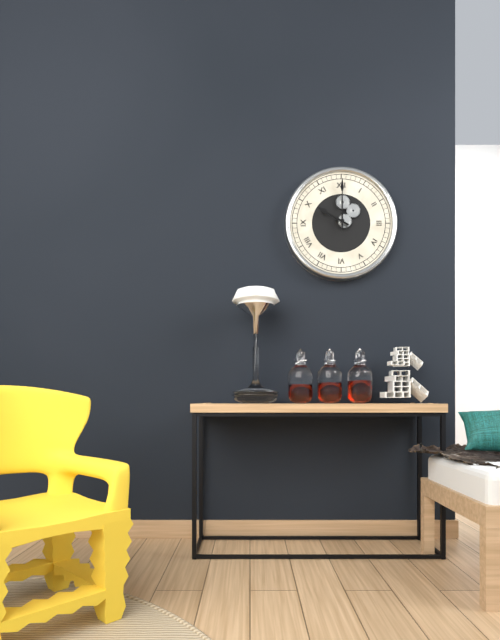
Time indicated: 10:00
